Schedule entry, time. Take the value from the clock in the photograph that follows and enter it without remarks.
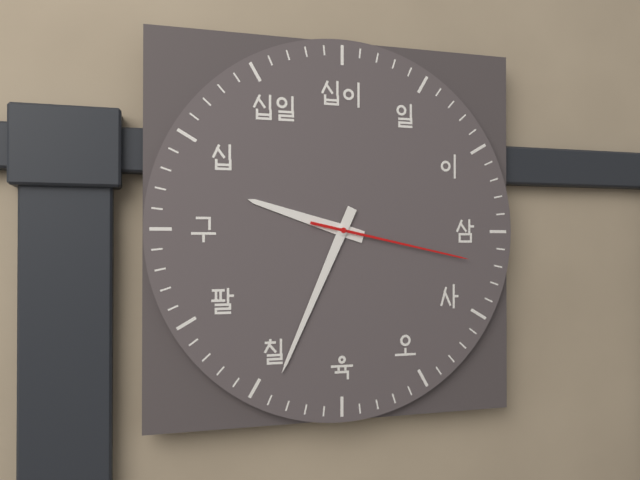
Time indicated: 9:34:17
